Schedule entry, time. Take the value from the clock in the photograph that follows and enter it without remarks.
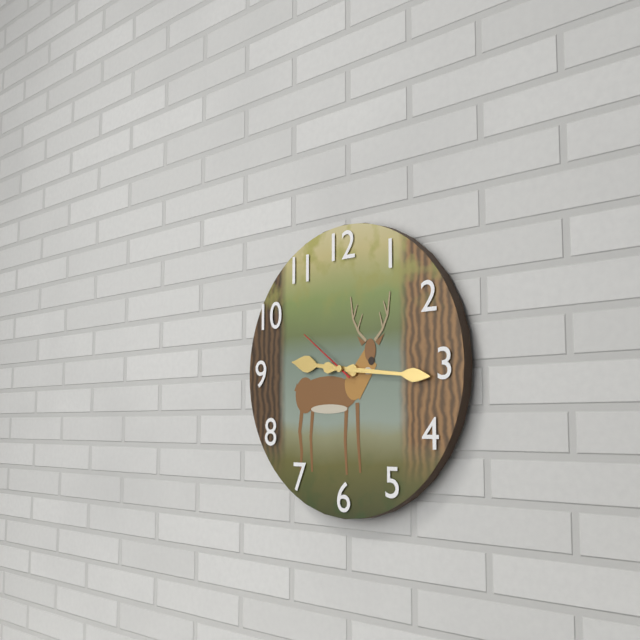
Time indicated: 9:16:51
